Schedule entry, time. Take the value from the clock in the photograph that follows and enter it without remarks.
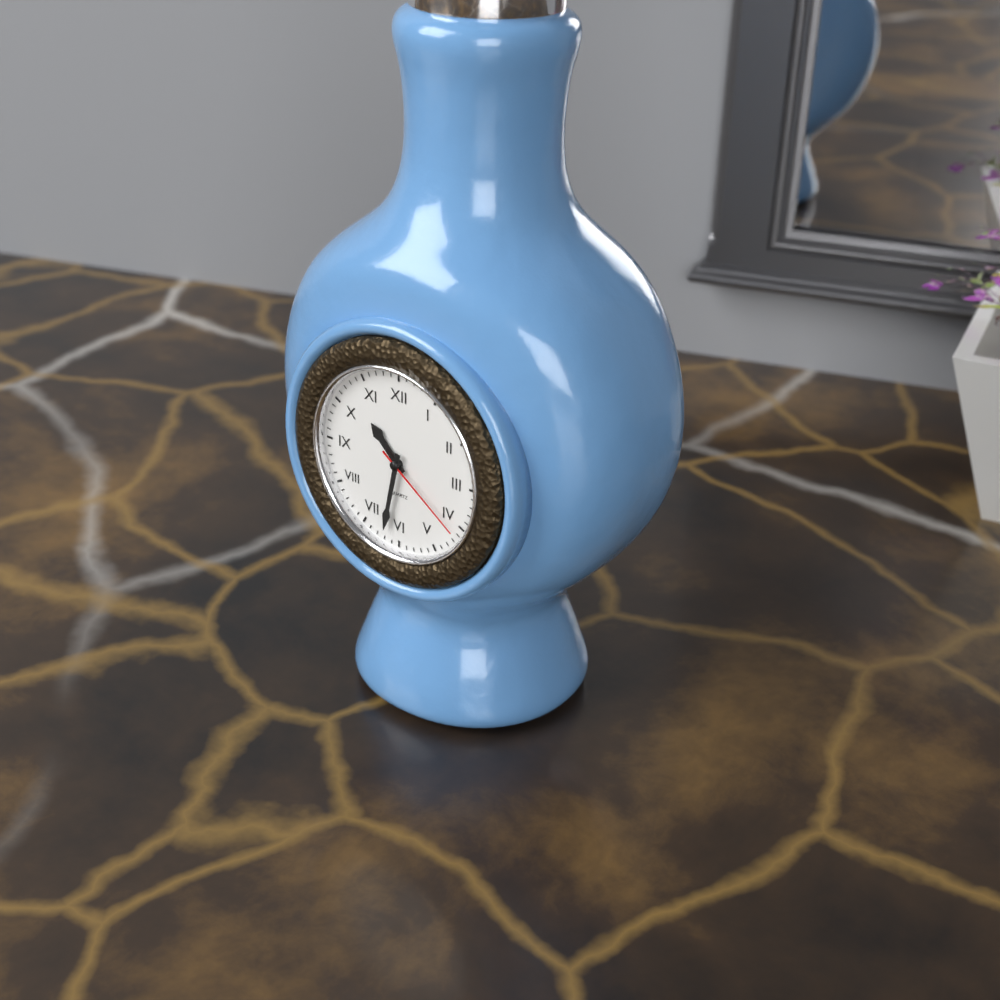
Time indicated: 10:32:21
